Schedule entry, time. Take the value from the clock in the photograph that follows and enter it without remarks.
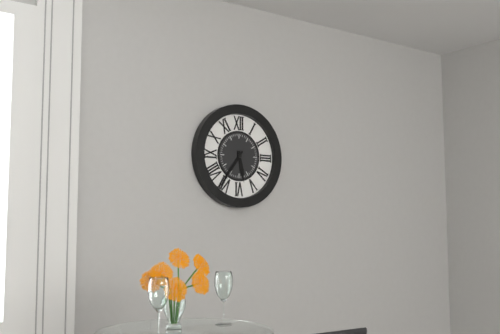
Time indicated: 5:36
